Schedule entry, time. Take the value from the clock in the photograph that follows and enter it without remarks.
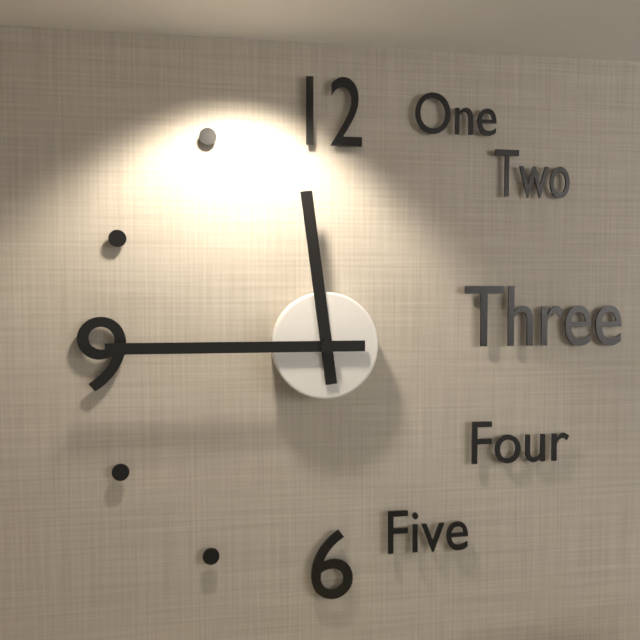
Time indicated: 11:45
